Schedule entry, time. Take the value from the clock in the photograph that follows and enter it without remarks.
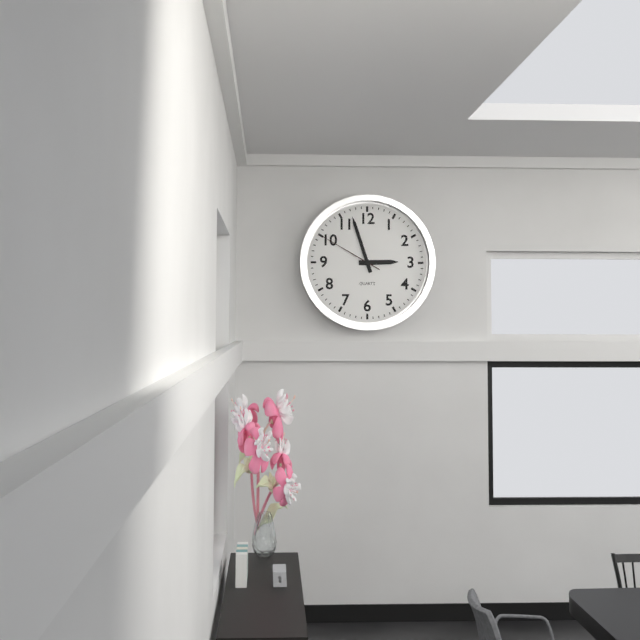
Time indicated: 2:57:50
